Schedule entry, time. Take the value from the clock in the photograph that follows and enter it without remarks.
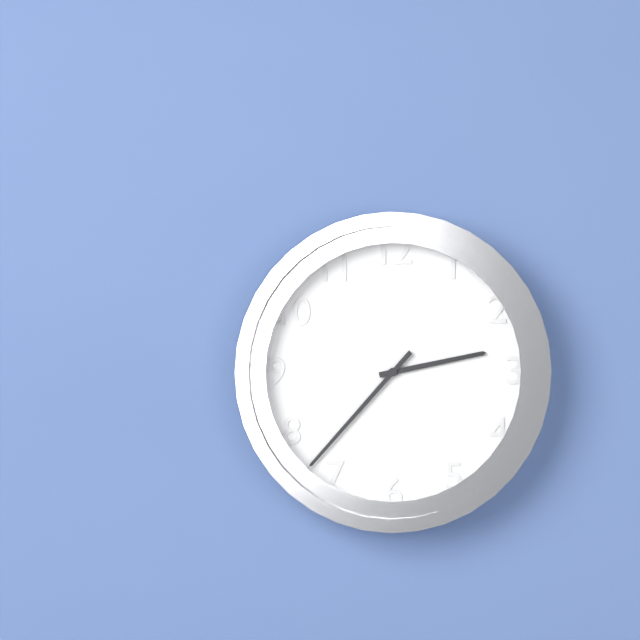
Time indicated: 2:37
